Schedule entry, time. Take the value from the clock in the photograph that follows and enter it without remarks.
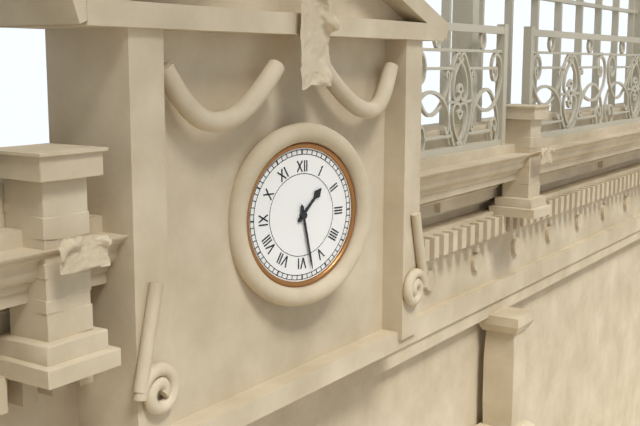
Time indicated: 1:28
